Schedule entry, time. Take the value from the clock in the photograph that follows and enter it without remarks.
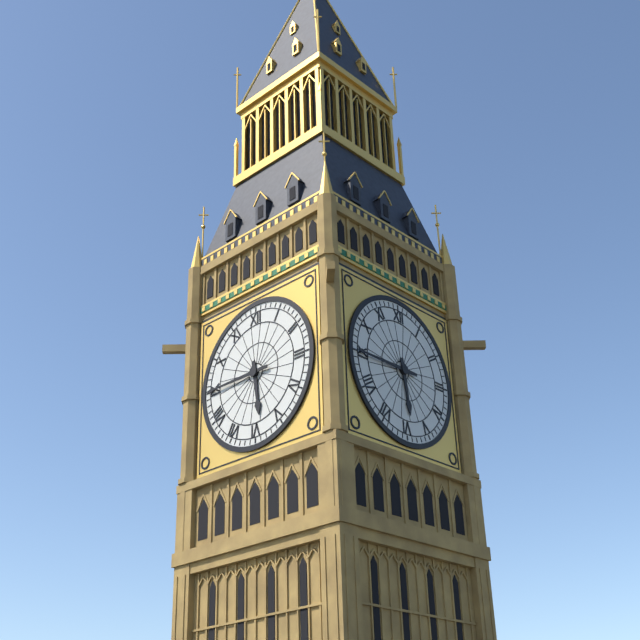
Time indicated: 5:45
